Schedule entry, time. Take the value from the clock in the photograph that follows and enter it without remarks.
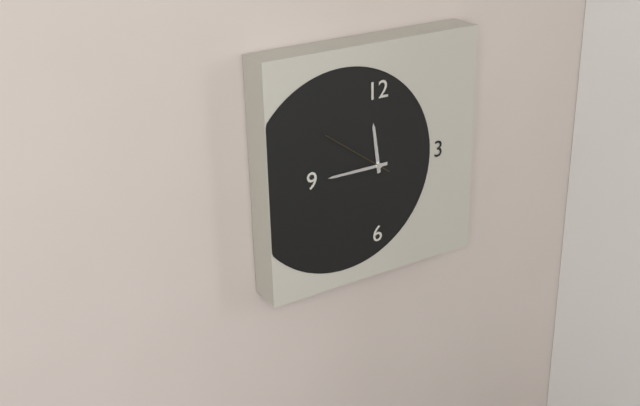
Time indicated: 11:45:51
